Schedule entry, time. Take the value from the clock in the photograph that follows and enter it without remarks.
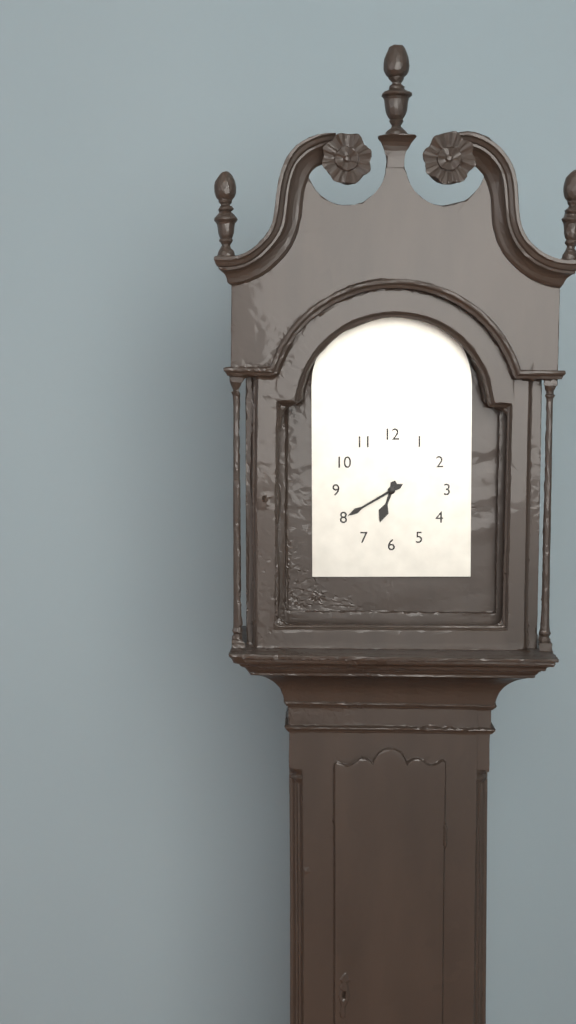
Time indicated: 6:40
